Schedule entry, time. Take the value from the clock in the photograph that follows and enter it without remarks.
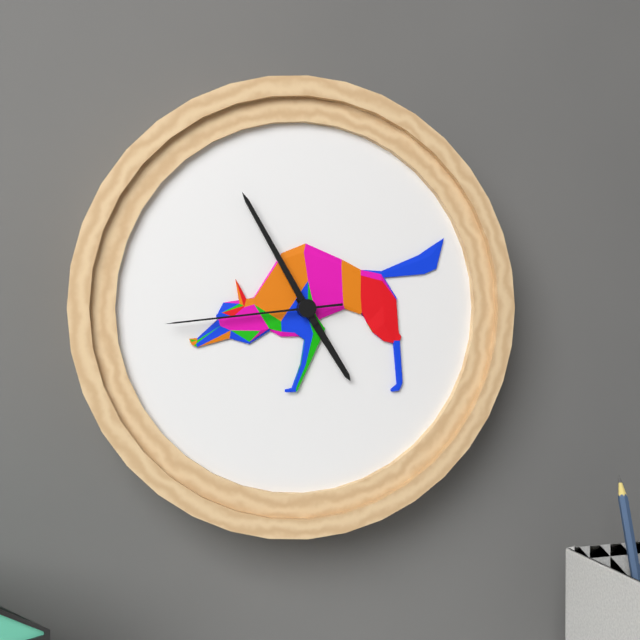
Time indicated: 4:55:44
